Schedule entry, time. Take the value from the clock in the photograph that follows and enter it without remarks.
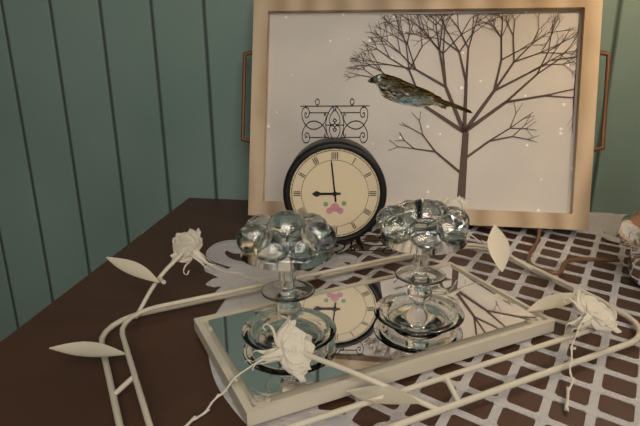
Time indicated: 8:59
